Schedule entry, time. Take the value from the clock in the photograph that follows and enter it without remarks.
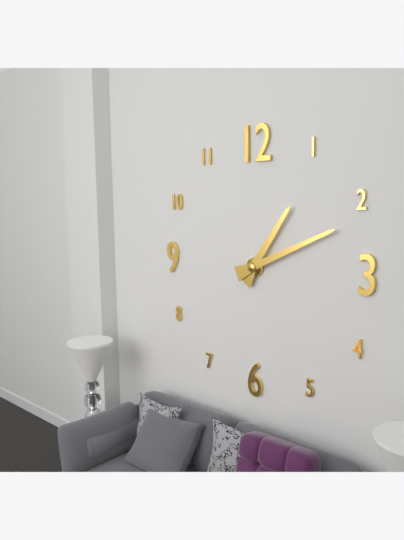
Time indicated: 1:11
